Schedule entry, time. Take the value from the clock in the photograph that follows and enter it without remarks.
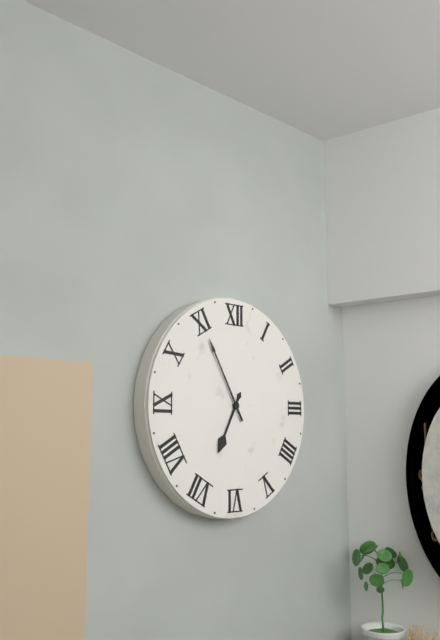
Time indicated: 6:55
